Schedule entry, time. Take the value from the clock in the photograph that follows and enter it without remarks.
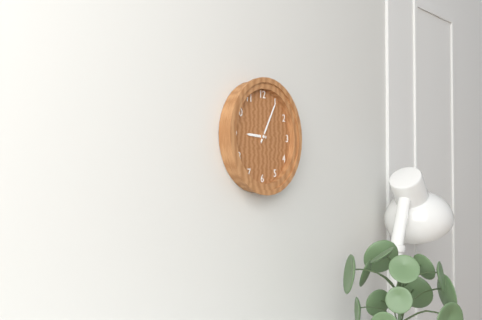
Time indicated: 9:05
